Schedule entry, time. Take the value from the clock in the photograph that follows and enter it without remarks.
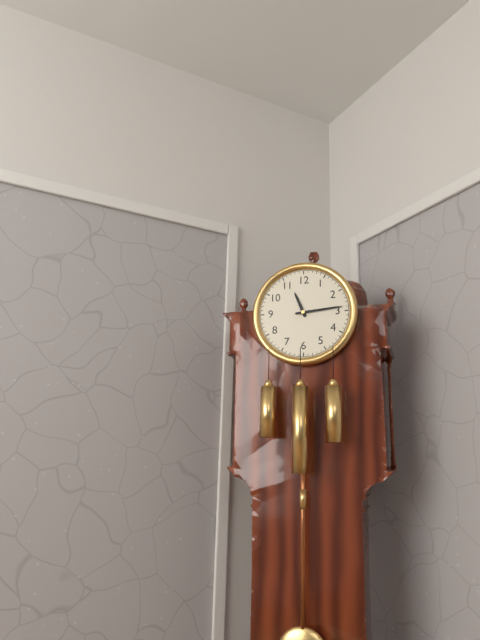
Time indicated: 11:14
